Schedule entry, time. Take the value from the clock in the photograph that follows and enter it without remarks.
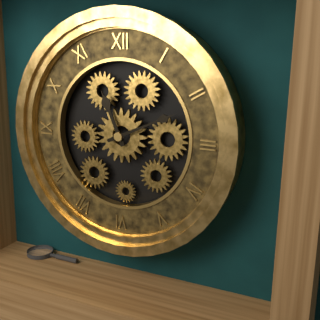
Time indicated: 11:11
